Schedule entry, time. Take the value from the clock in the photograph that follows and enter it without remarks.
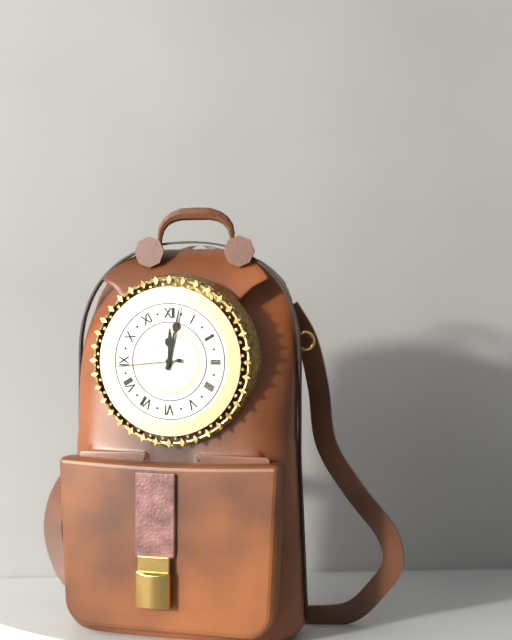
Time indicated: 12:02:44
